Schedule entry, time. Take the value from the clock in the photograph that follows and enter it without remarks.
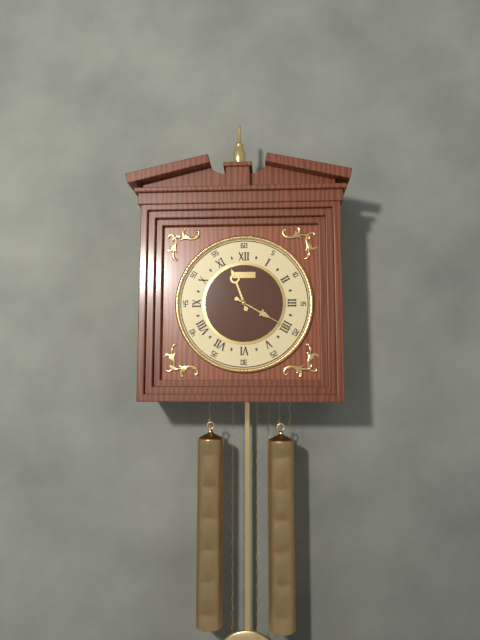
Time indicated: 11:20
